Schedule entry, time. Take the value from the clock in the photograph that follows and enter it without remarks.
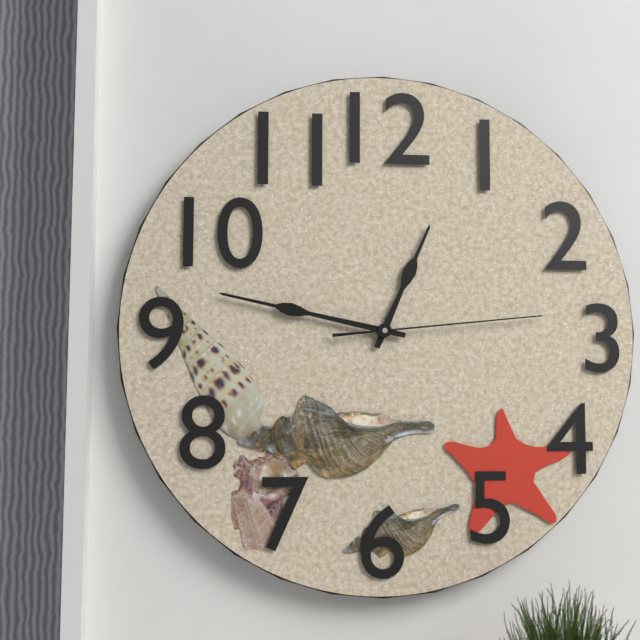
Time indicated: 12:47:14
